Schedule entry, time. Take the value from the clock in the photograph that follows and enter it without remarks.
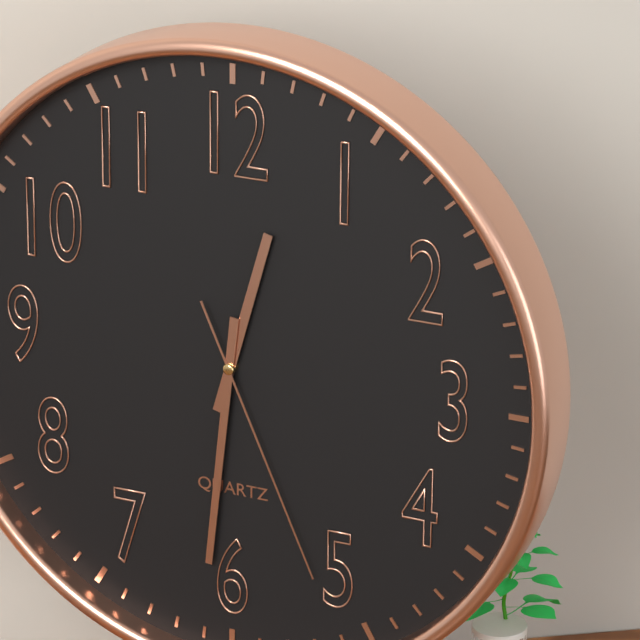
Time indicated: 12:31:26
